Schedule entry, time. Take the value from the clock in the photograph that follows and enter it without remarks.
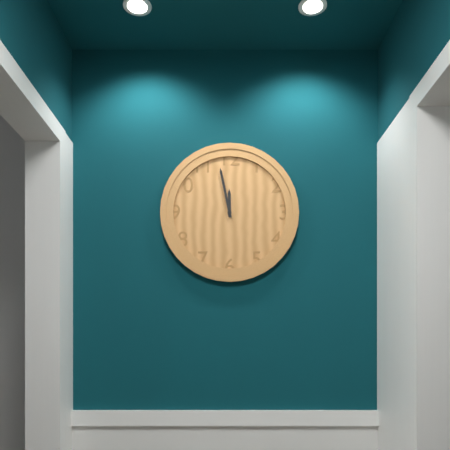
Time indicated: 11:58
